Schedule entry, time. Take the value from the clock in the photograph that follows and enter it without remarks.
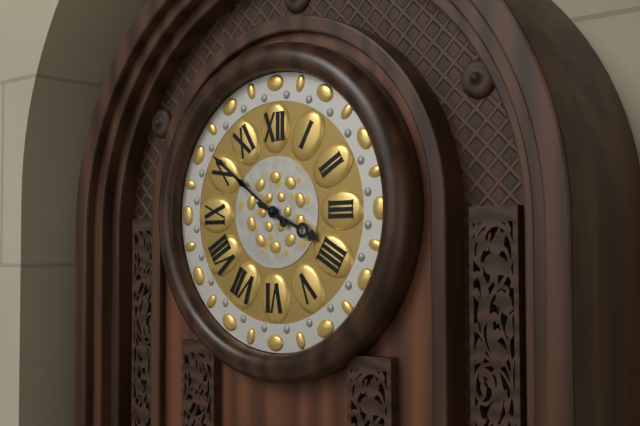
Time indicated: 3:51
